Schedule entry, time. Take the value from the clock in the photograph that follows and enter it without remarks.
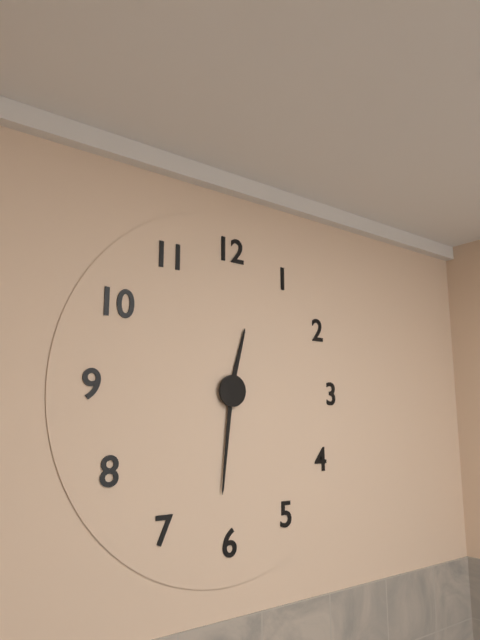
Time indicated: 12:31
